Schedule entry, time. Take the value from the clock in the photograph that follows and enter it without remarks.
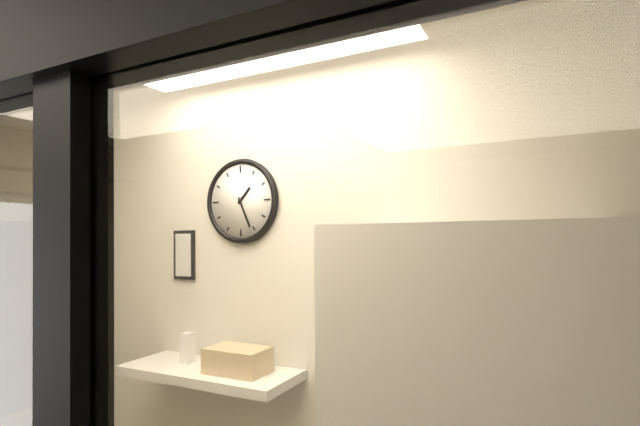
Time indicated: 1:26
